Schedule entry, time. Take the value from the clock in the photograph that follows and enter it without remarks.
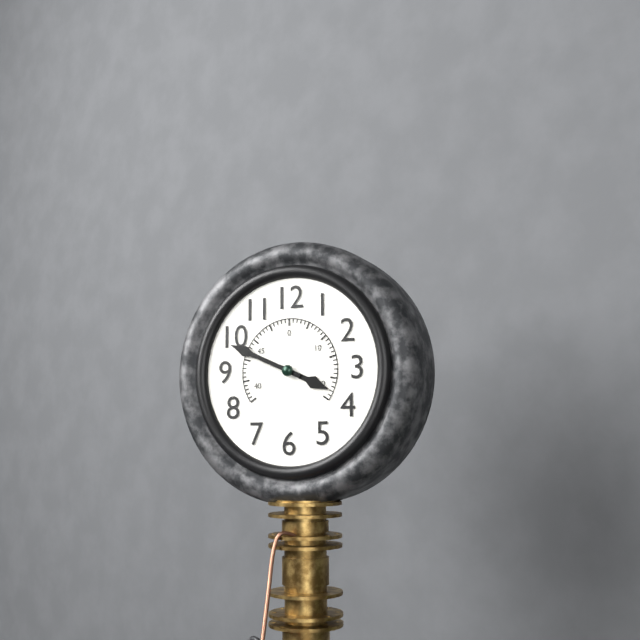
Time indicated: 3:49
